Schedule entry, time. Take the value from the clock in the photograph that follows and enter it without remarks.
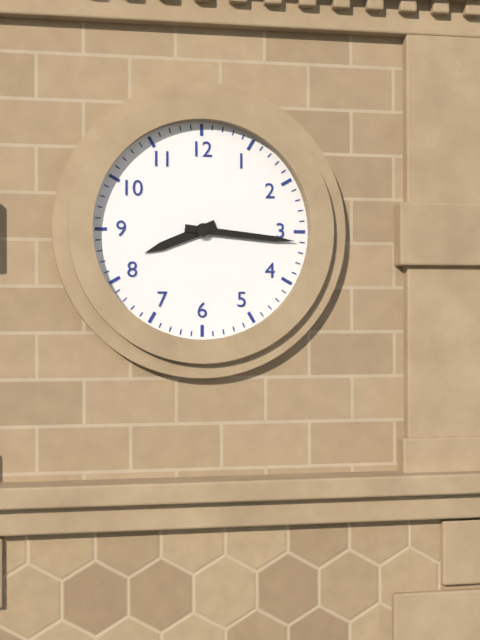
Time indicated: 8:16
